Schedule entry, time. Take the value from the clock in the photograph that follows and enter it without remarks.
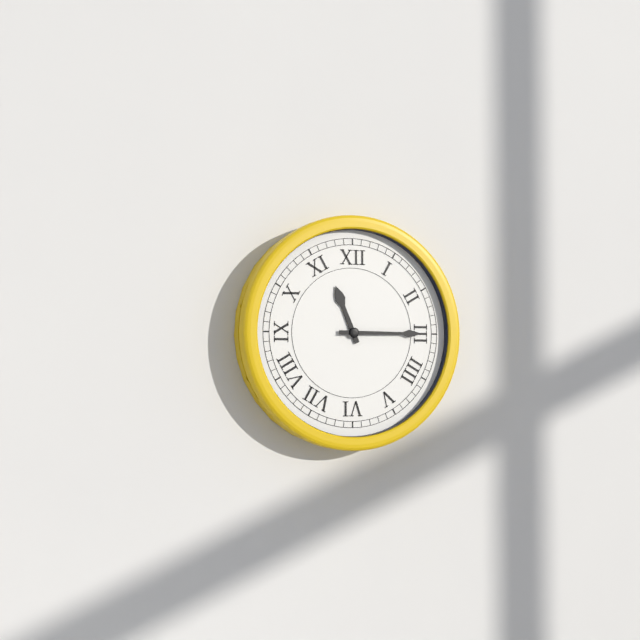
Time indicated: 11:15
